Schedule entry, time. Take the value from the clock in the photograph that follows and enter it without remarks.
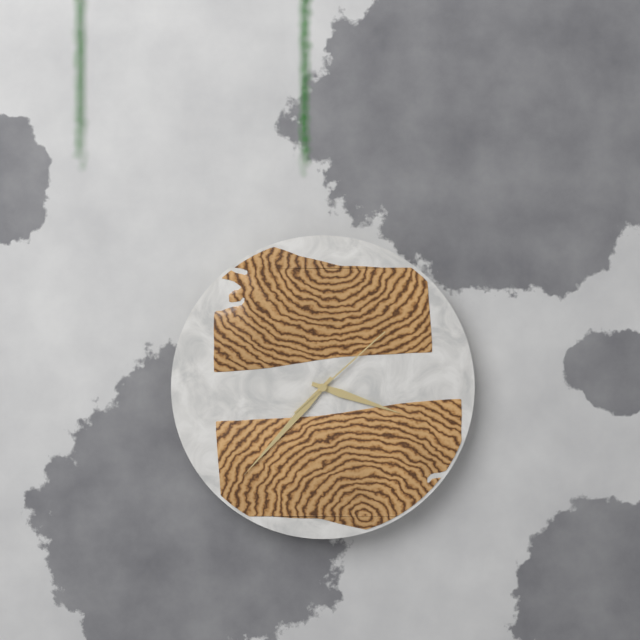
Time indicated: 3:37:08
